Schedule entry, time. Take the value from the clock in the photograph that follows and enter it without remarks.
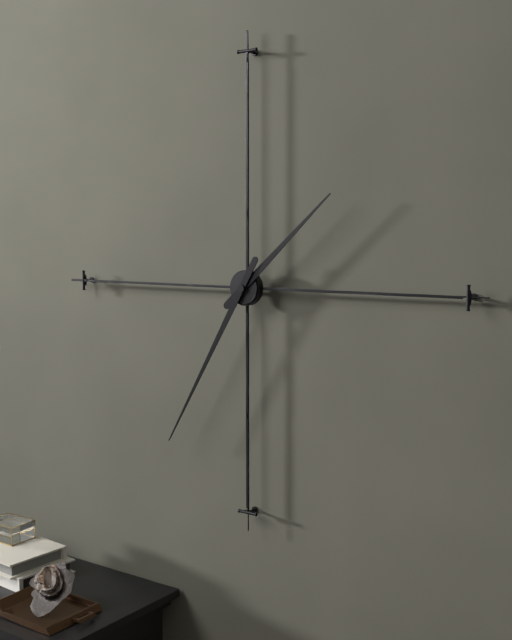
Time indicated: 1:35
